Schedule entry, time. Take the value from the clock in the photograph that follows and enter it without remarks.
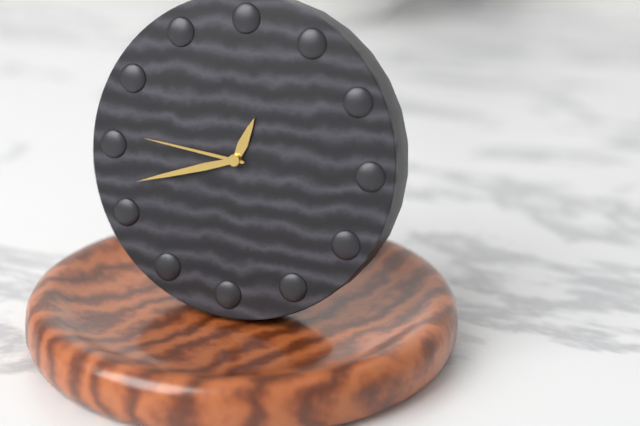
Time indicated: 12:42:46
